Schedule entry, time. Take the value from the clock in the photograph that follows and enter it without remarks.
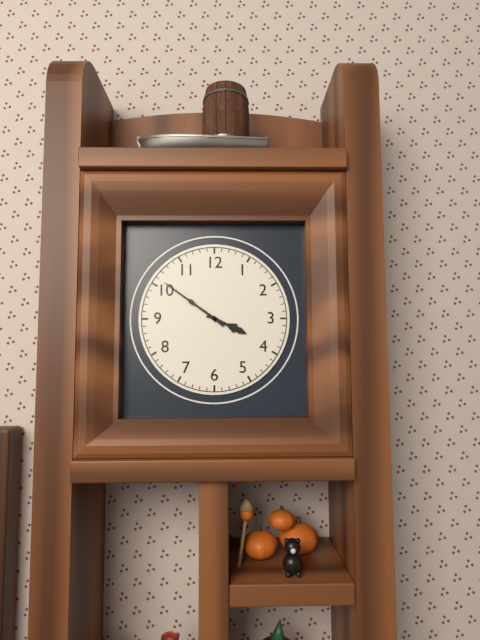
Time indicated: 3:51
